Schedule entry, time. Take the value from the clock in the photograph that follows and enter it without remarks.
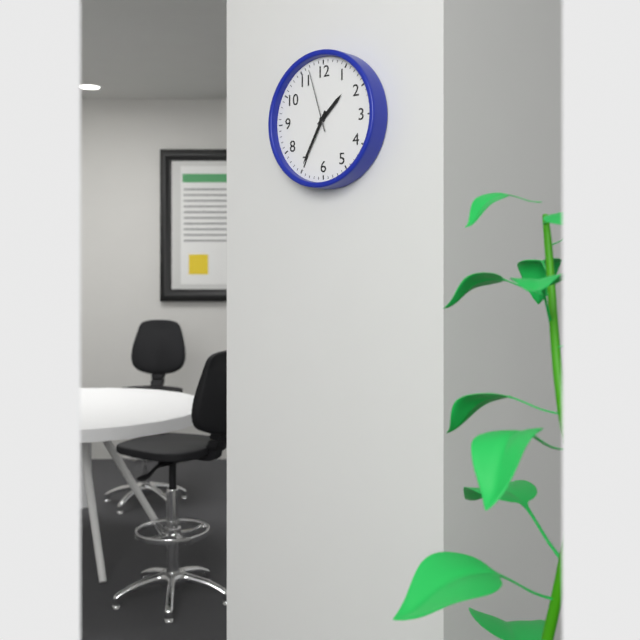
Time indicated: 1:35:57
